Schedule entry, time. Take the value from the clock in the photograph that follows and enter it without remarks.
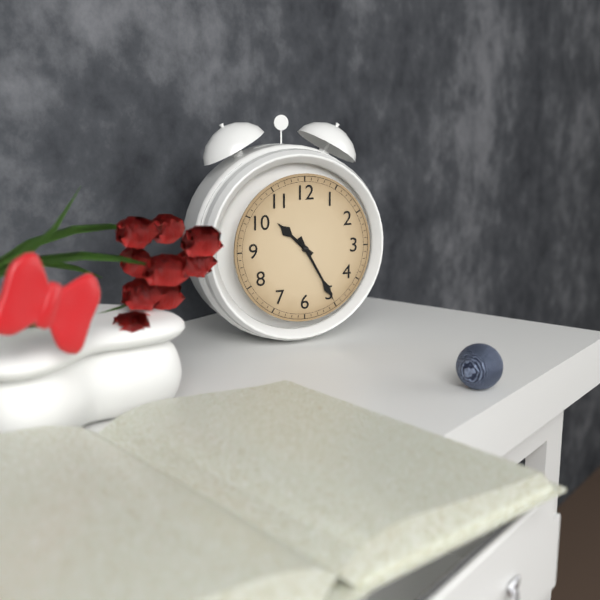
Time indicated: 10:25
